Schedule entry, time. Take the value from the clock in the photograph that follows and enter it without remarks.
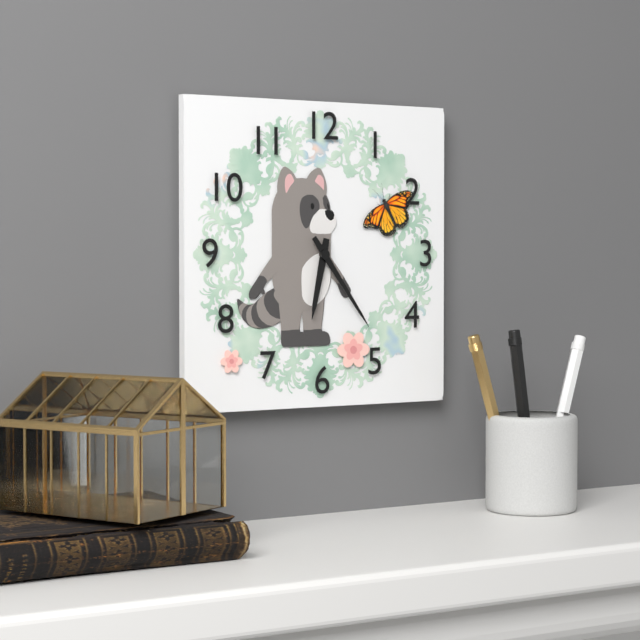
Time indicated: 6:24
